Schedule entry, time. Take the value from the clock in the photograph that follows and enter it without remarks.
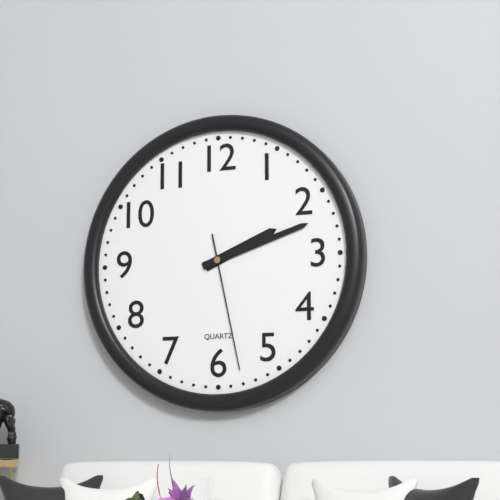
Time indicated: 2:12:28
